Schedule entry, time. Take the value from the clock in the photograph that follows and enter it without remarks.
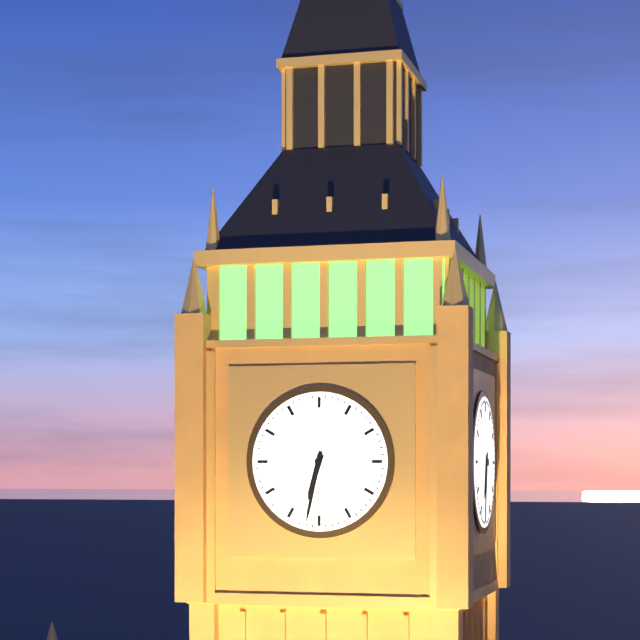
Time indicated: 6:32
